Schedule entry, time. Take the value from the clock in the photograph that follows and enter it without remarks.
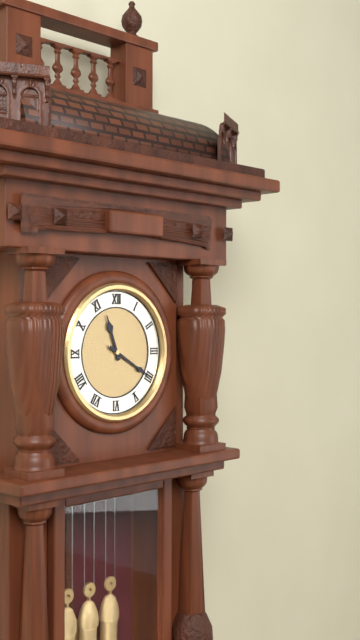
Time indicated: 11:20
